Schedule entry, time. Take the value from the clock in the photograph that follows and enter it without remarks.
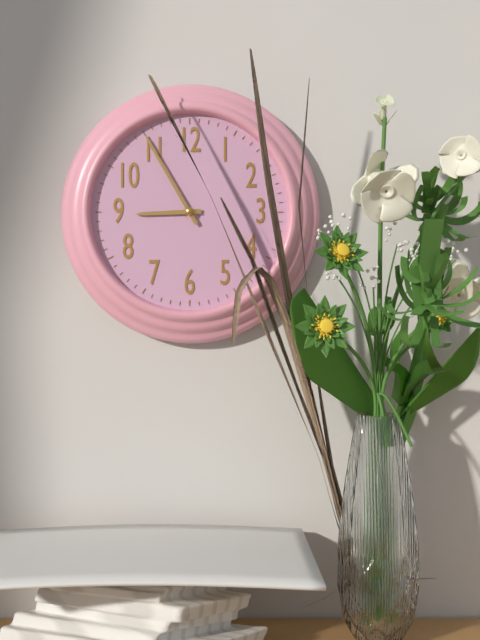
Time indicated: 8:55
